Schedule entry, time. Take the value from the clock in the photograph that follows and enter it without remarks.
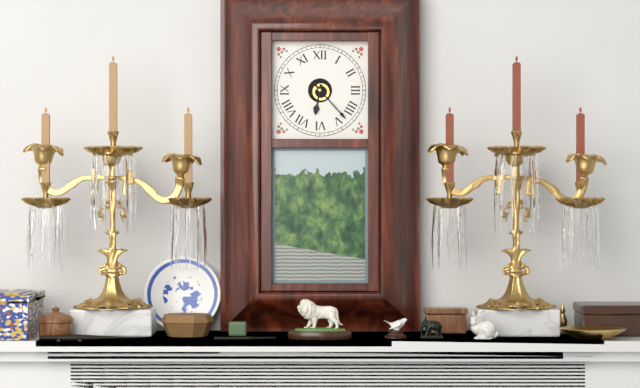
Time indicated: 6:23
